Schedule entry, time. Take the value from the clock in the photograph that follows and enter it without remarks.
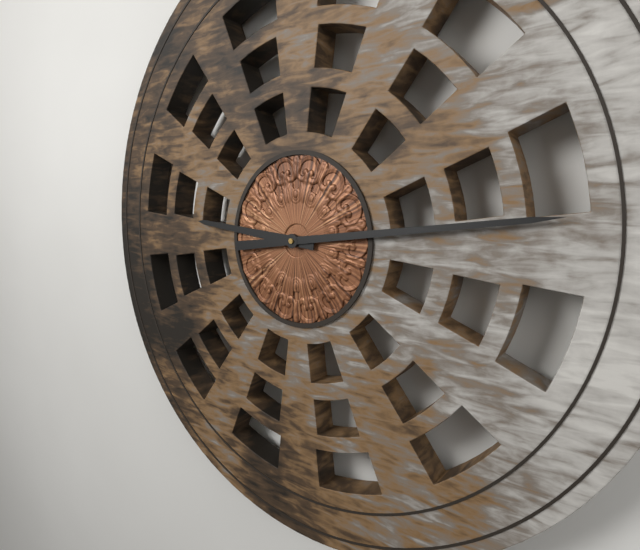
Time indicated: 9:14
